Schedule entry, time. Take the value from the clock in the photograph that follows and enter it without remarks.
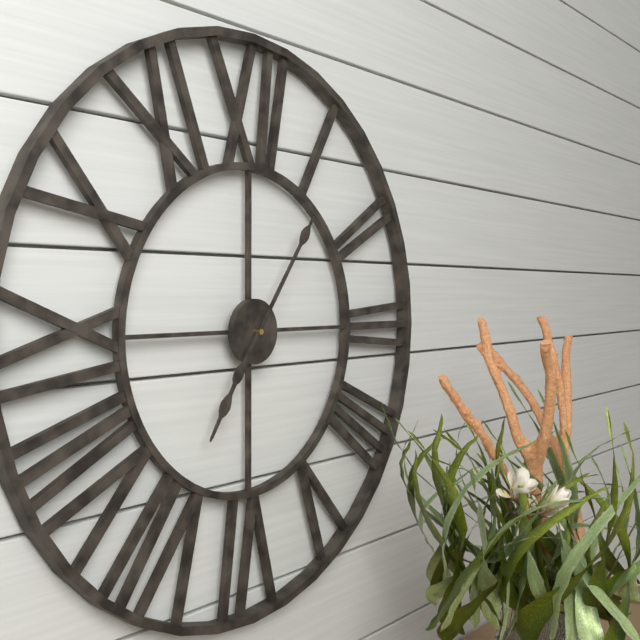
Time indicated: 7:06
